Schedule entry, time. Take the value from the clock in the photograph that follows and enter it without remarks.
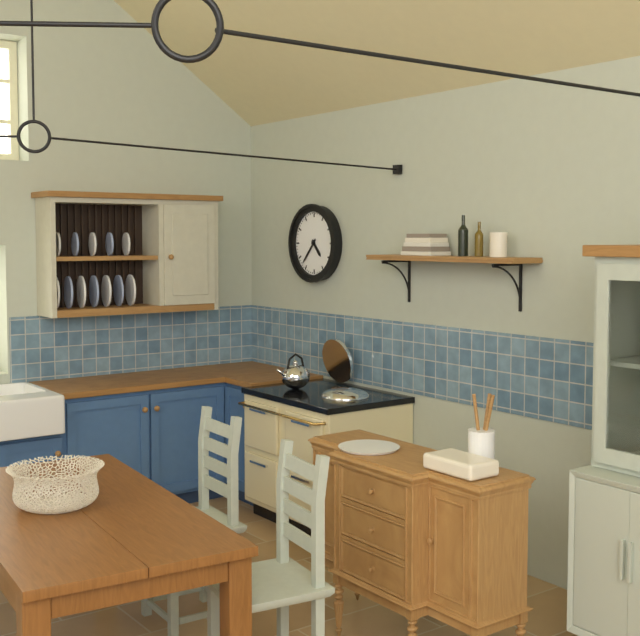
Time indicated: 4:37
